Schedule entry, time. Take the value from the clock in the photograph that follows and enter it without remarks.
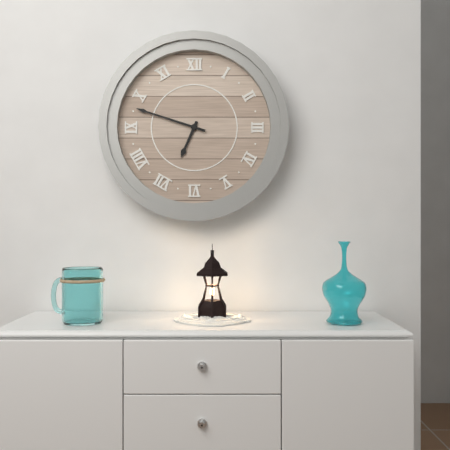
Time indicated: 6:48
